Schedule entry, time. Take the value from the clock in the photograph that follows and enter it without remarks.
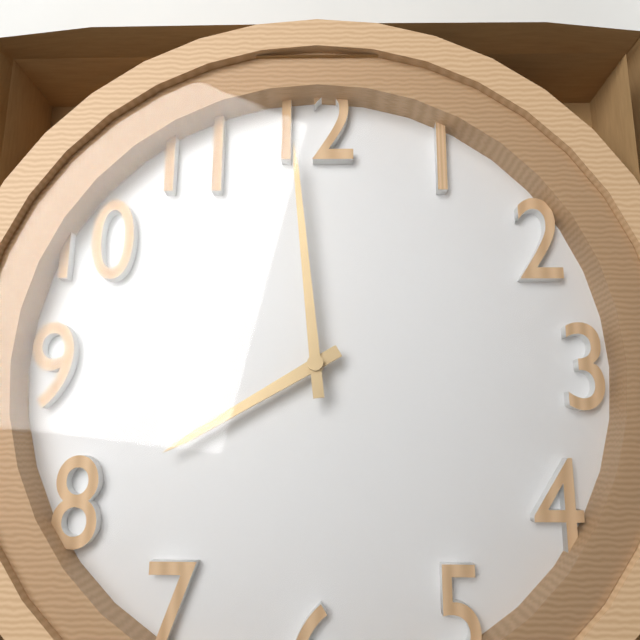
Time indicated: 7:59
